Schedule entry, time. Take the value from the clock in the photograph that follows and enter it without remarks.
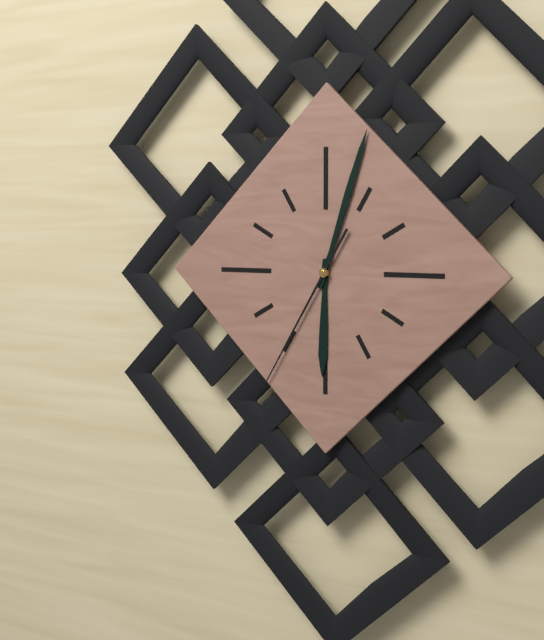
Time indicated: 6:03:35
